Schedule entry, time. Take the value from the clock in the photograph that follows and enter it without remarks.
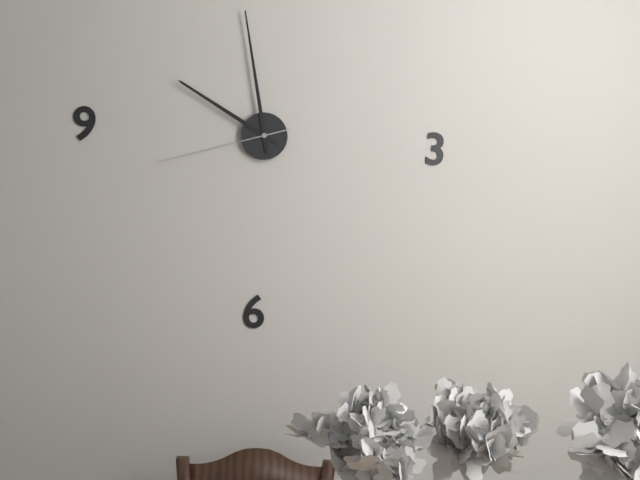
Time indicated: 9:58:42
